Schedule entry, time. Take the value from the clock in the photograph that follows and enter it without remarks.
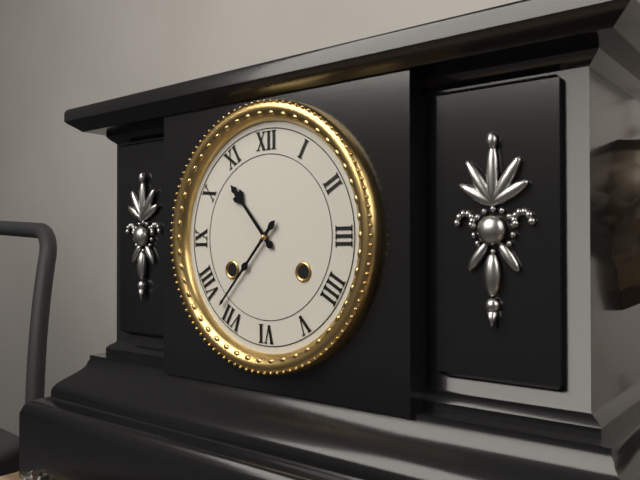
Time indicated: 10:37
